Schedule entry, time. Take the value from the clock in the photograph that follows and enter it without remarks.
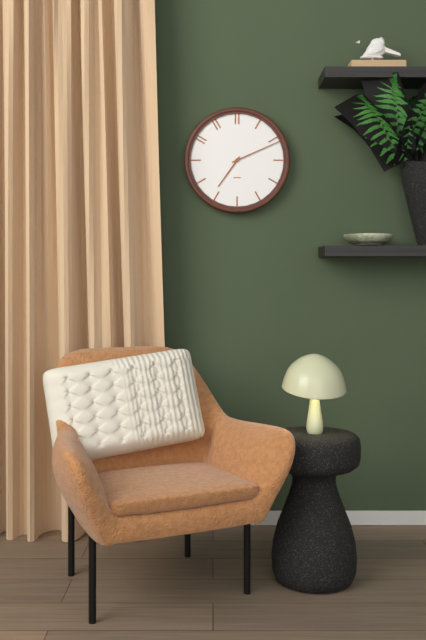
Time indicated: 7:11
